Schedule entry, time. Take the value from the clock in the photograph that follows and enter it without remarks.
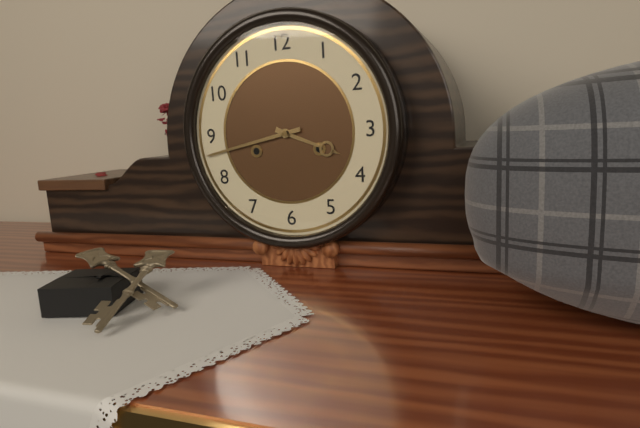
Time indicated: 3:43
